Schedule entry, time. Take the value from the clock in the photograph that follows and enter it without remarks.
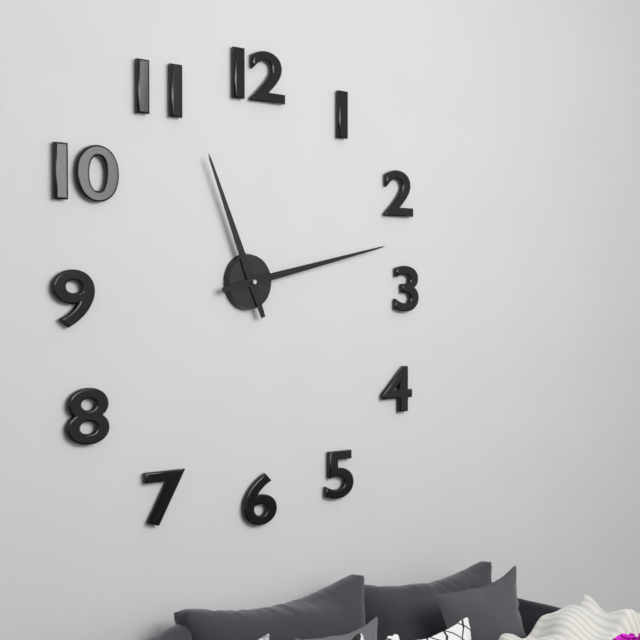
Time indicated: 11:13
